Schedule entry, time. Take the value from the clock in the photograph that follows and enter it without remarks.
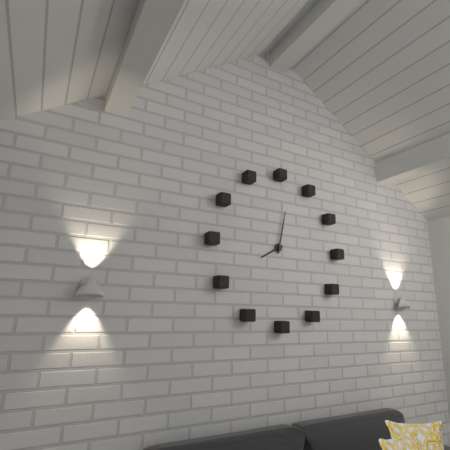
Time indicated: 8:02
